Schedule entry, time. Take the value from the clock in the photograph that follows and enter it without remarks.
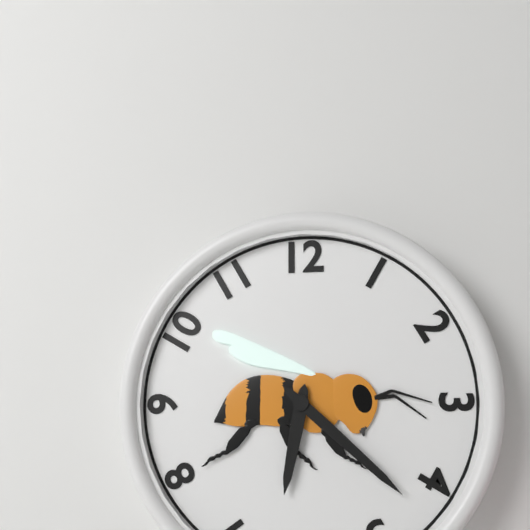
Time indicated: 6:22
